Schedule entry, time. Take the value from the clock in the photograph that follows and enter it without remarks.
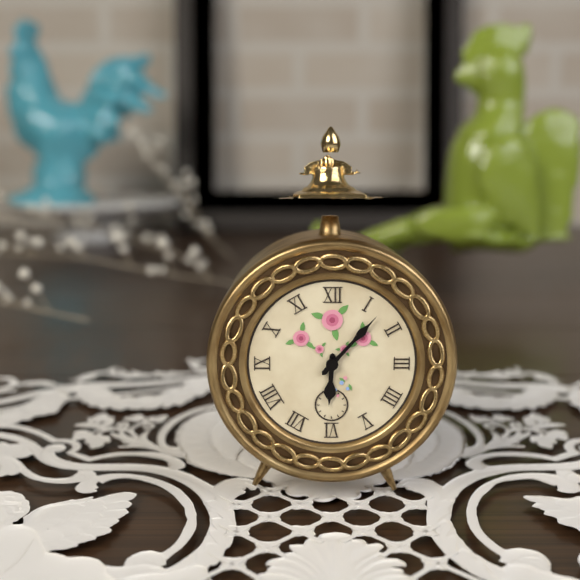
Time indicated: 6:07
